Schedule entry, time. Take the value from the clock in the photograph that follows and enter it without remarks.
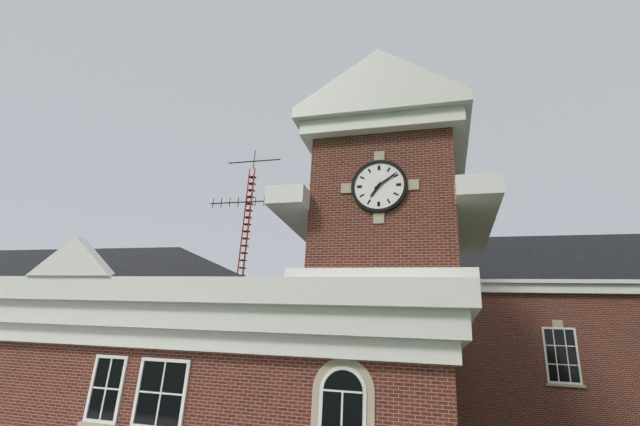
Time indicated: 7:09
